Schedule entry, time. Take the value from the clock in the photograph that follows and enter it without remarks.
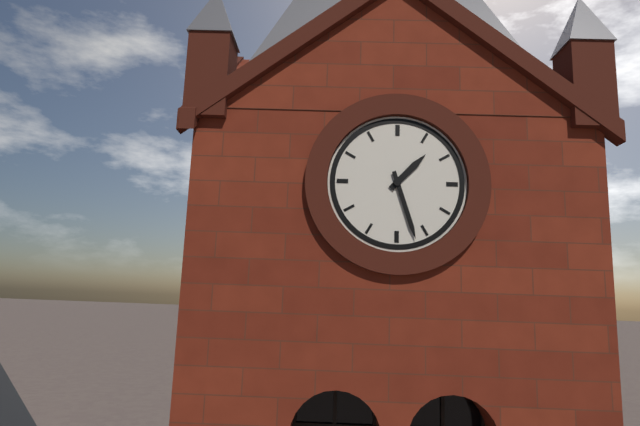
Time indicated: 1:27
